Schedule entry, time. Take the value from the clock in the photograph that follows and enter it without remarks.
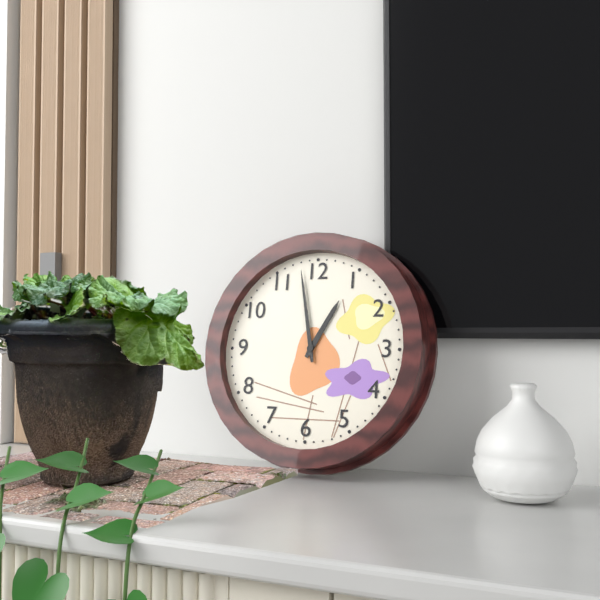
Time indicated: 12:58
